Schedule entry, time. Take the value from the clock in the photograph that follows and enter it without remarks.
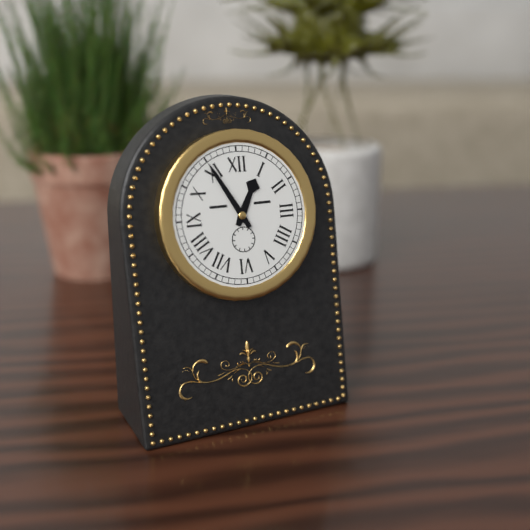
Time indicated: 12:55
